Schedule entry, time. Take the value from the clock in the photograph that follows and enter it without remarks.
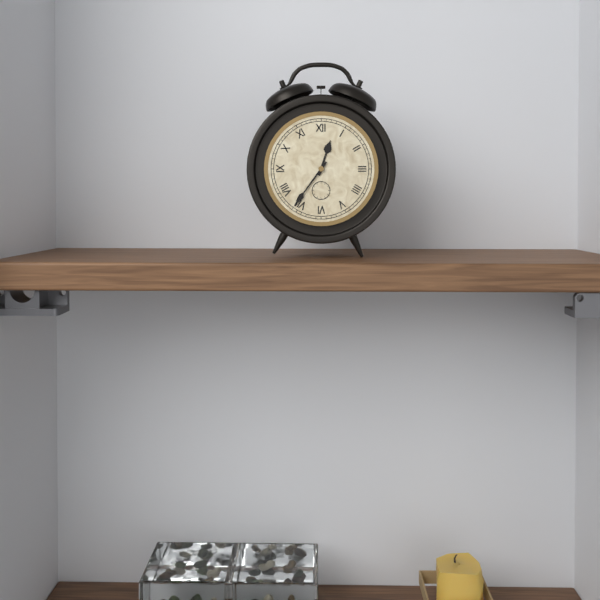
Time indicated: 12:36
